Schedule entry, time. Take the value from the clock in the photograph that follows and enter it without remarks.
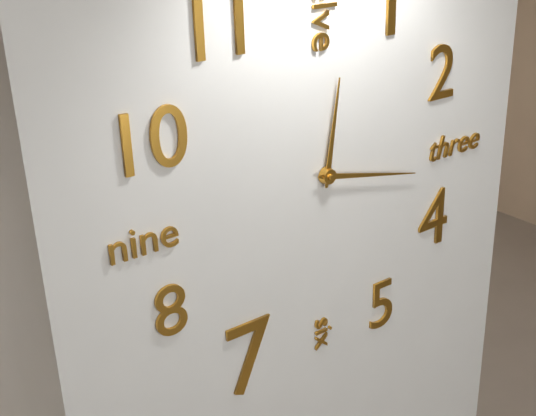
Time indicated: 12:17
